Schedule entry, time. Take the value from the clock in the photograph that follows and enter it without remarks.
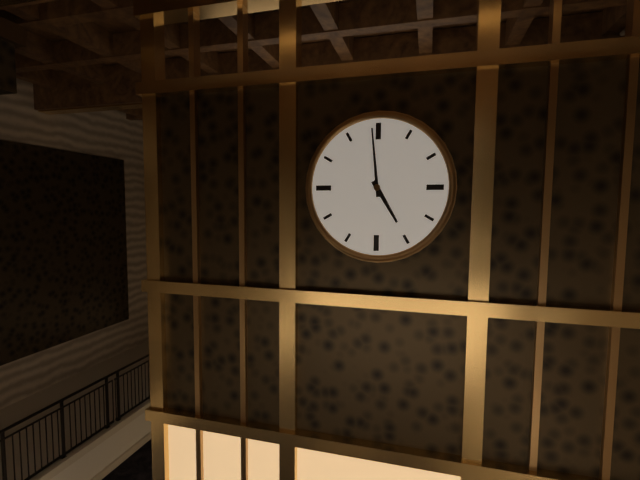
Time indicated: 4:59
